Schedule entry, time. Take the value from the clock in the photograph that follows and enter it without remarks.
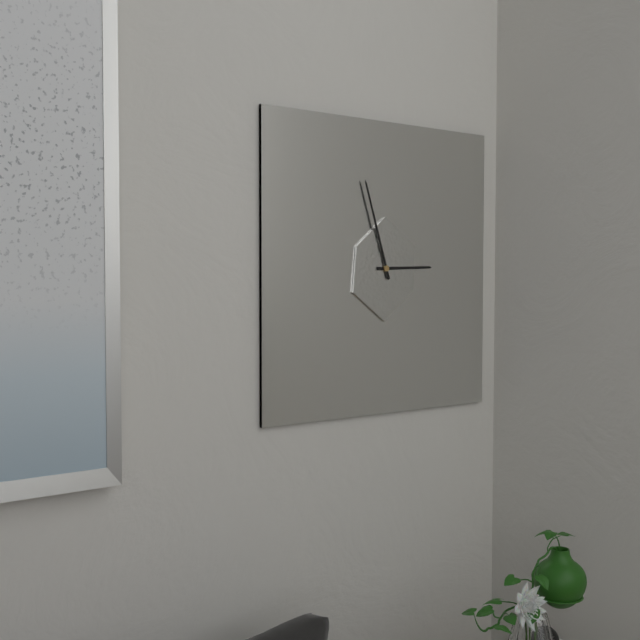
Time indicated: 2:57
